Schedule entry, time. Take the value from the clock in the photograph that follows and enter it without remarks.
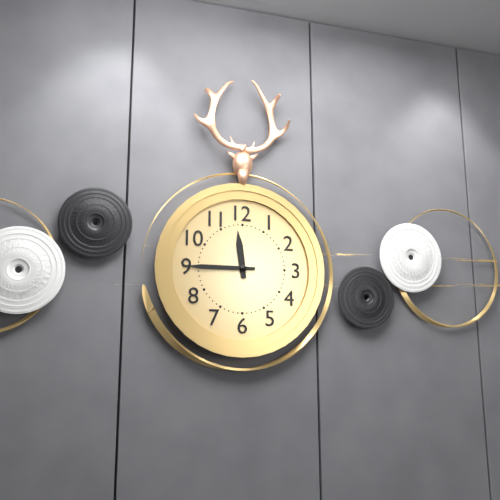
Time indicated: 11:45
